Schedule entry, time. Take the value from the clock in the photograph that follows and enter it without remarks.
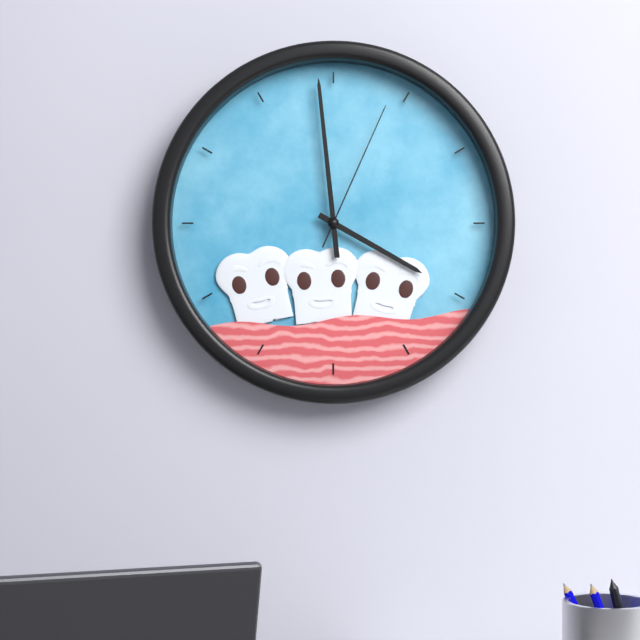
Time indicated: 3:59:04
